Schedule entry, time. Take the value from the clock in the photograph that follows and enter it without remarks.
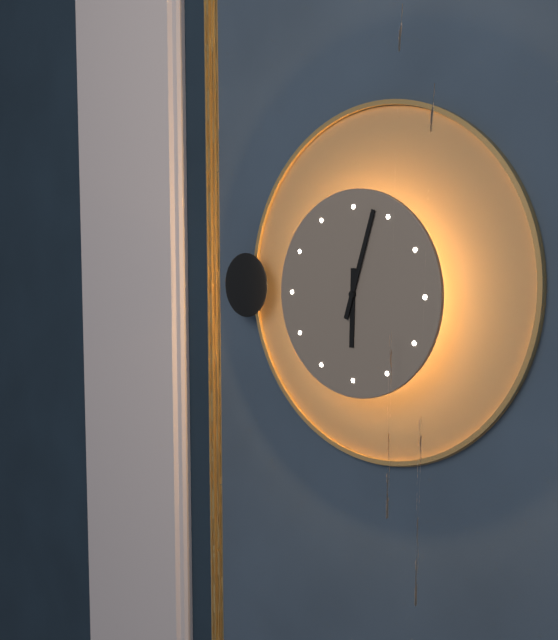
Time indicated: 6:03
